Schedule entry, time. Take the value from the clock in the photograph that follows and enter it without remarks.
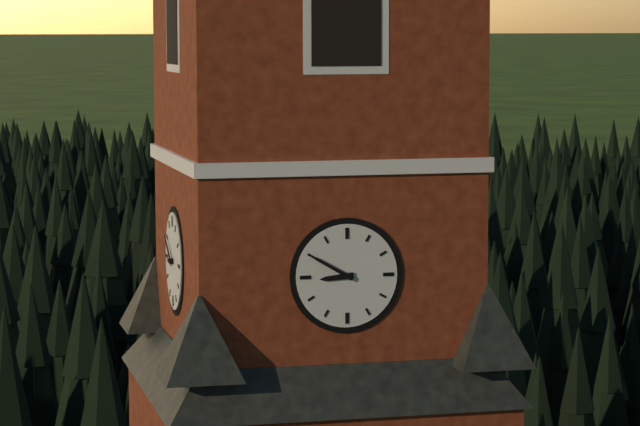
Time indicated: 8:50
